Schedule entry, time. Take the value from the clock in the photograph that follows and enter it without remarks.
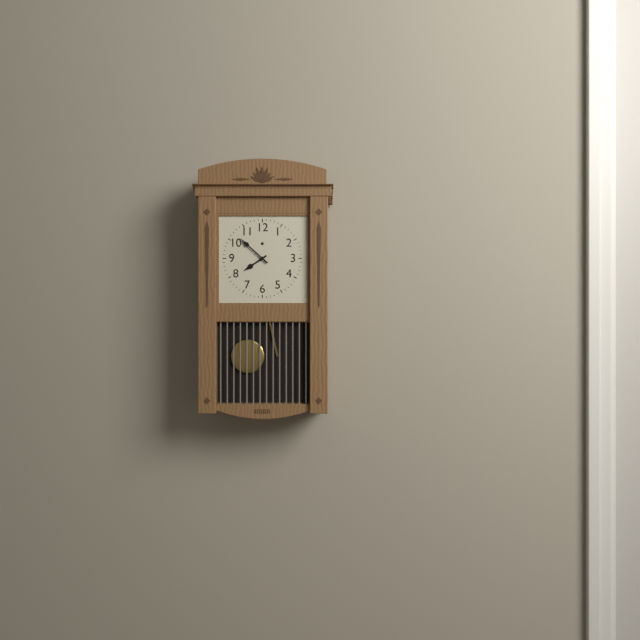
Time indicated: 7:52
